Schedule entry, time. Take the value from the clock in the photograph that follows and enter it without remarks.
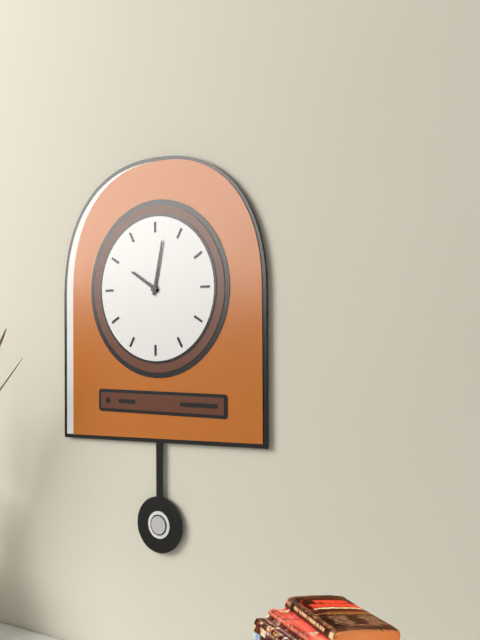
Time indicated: 10:02
